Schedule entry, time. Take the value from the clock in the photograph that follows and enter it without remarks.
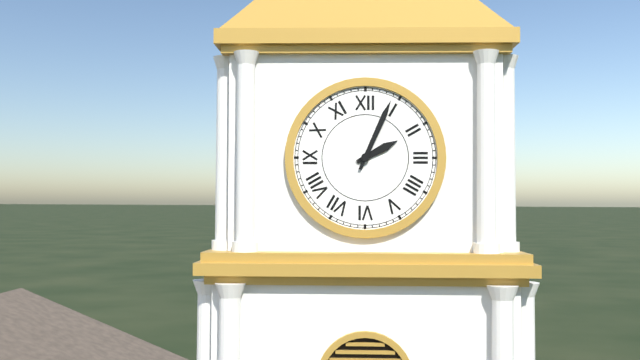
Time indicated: 2:04
